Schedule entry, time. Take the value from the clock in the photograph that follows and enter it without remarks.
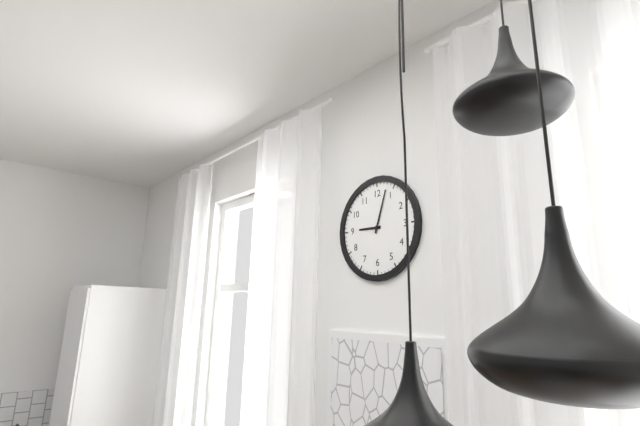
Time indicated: 9:03
